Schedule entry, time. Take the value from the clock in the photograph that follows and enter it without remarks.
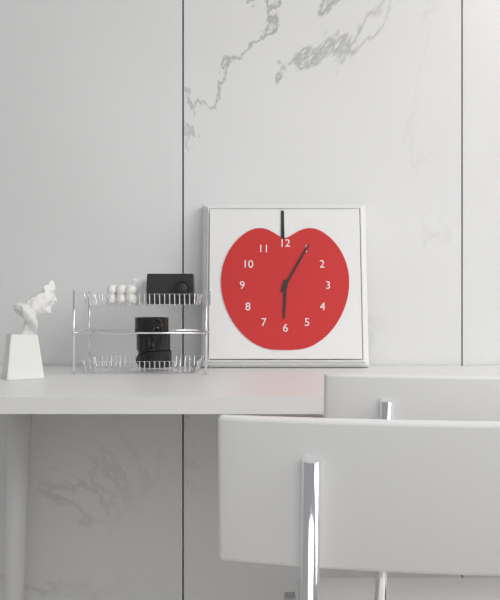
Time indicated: 6:05
